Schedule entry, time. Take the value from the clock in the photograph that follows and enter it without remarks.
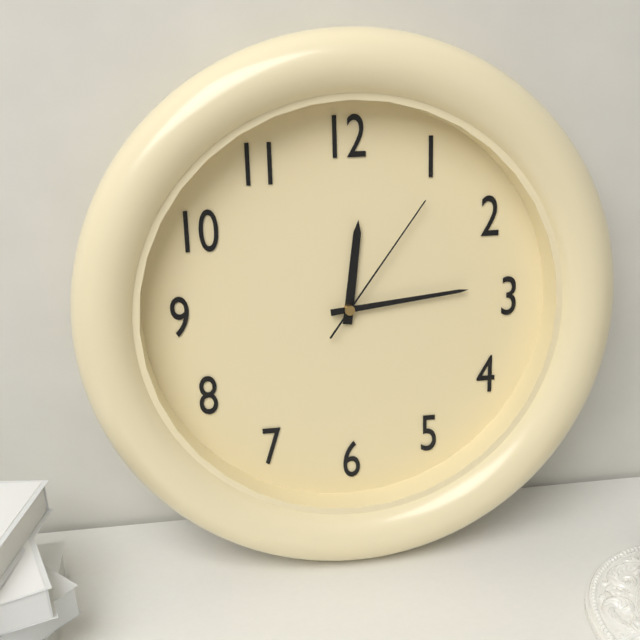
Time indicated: 12:14:06
